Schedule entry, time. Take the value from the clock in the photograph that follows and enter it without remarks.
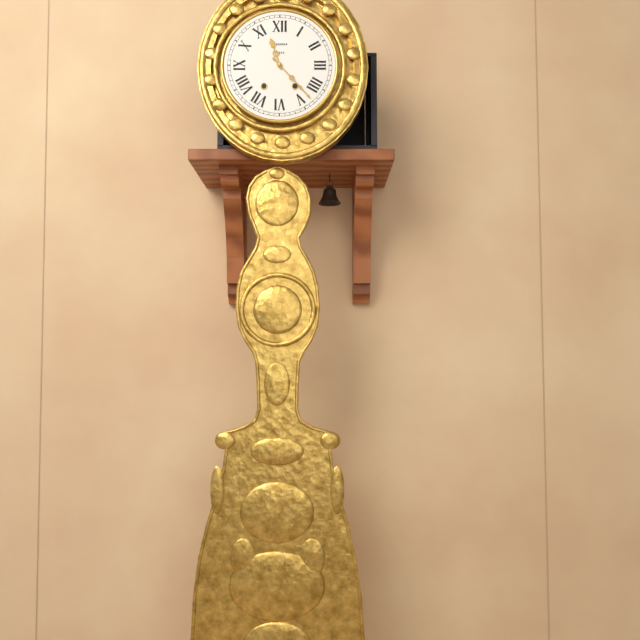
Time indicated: 11:23
